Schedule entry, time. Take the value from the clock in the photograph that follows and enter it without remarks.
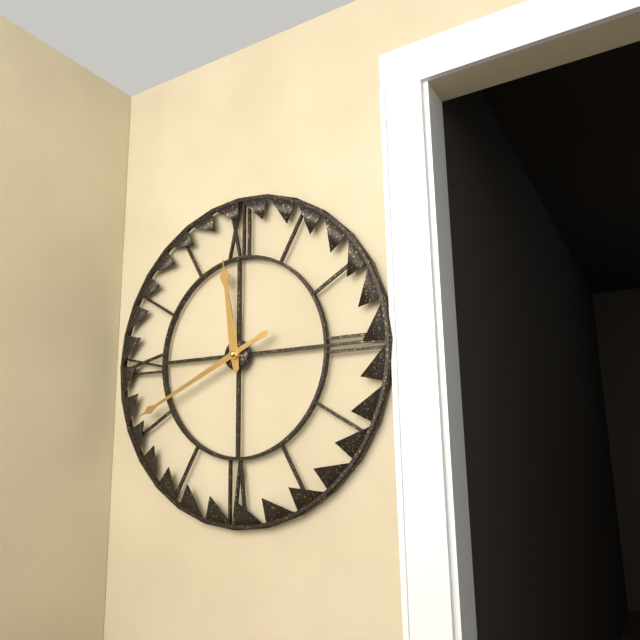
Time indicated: 11:41
